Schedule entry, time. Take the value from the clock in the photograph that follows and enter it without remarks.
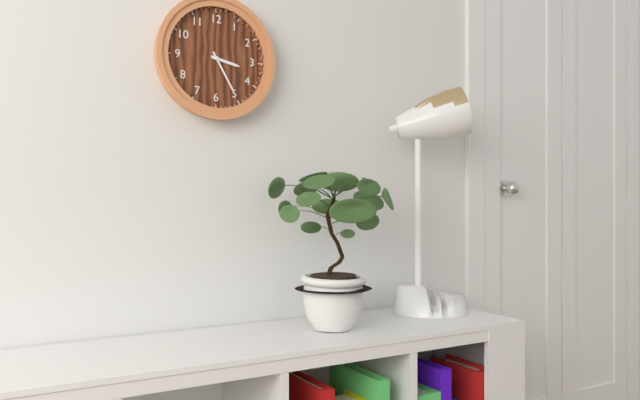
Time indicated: 3:25
